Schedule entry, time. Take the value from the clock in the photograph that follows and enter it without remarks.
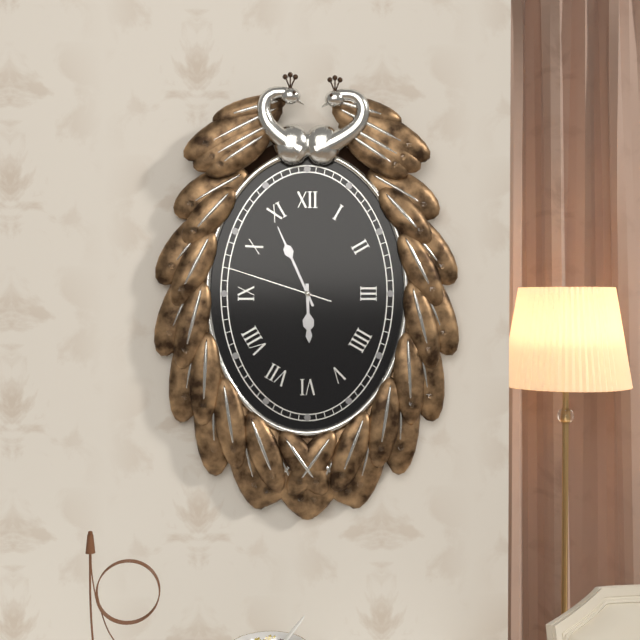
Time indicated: 5:56:48
